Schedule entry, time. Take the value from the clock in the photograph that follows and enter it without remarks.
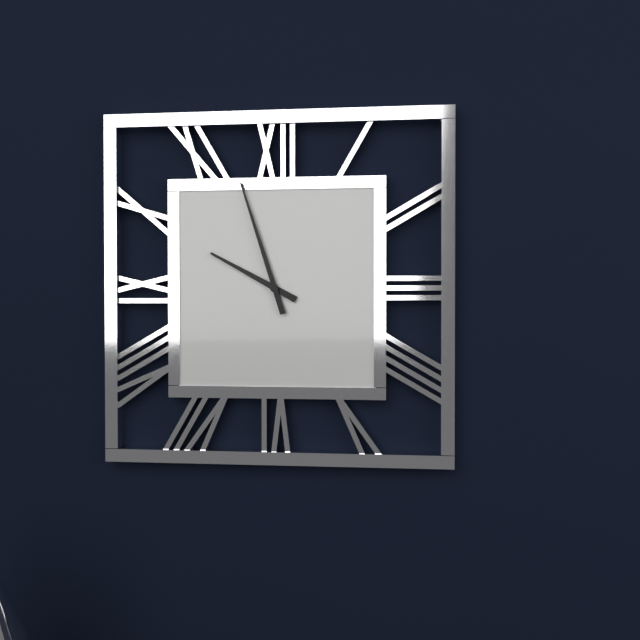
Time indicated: 9:57
